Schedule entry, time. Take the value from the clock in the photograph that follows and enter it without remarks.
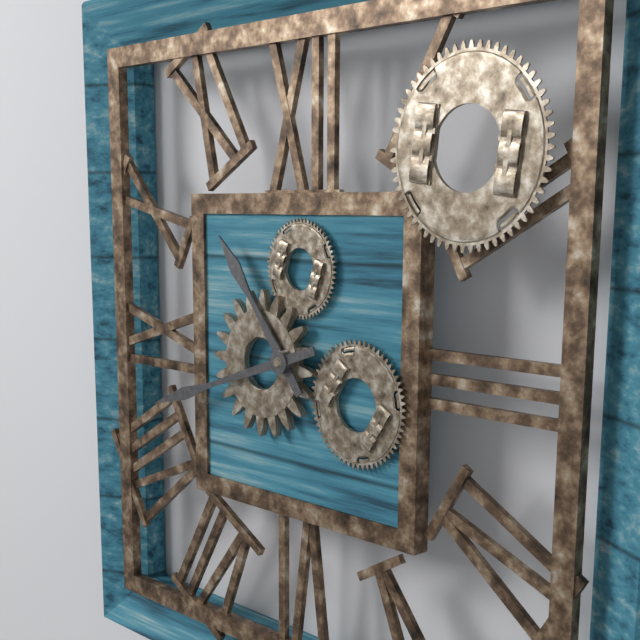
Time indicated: 10:42
